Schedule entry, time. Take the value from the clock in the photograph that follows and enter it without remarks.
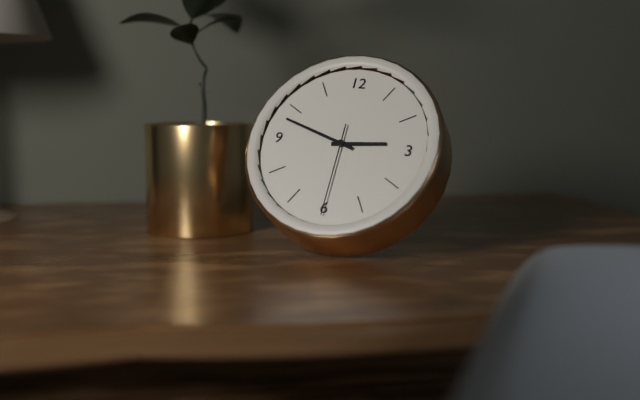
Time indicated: 2:48:30
